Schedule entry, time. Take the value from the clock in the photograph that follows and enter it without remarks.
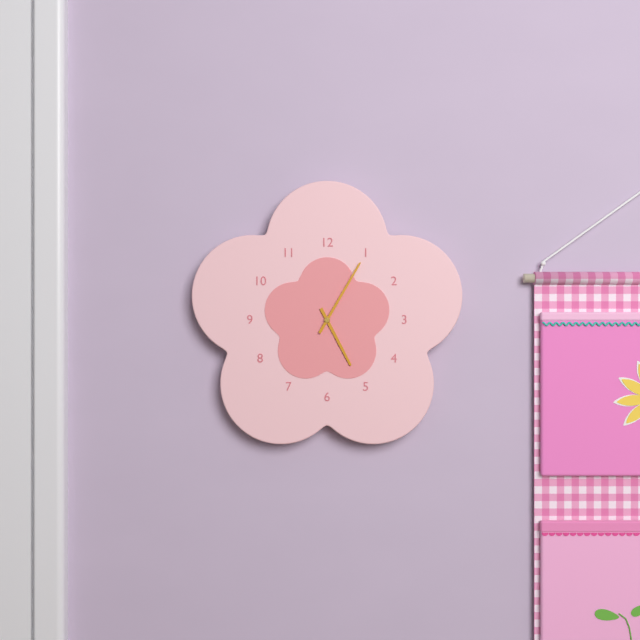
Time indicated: 5:05
